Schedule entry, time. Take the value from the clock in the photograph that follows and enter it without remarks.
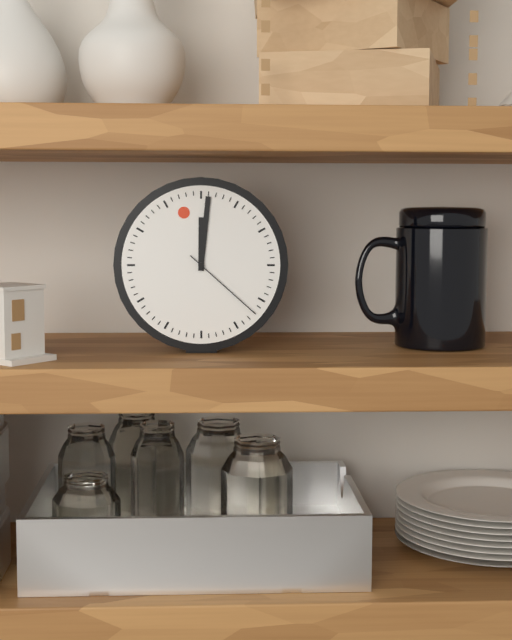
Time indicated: 12:01:22
